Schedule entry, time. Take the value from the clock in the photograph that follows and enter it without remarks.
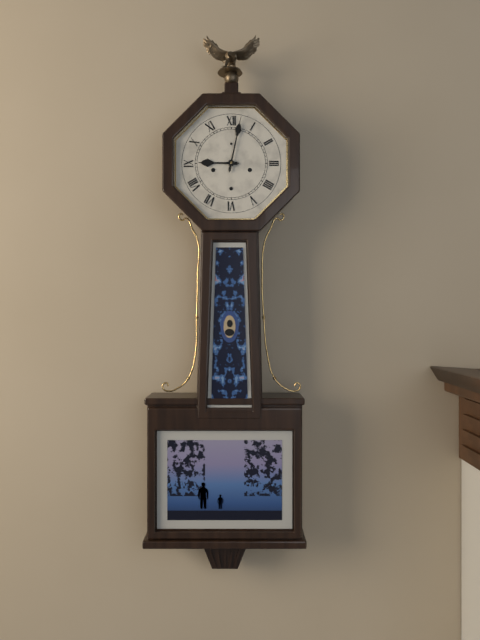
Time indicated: 9:02
